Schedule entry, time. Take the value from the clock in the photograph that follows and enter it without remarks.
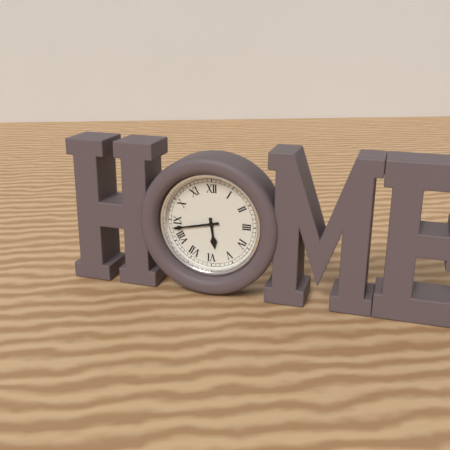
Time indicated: 5:43
